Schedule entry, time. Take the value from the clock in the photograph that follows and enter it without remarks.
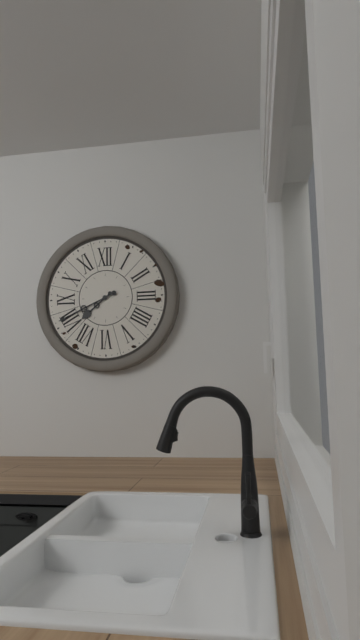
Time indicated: 7:41
